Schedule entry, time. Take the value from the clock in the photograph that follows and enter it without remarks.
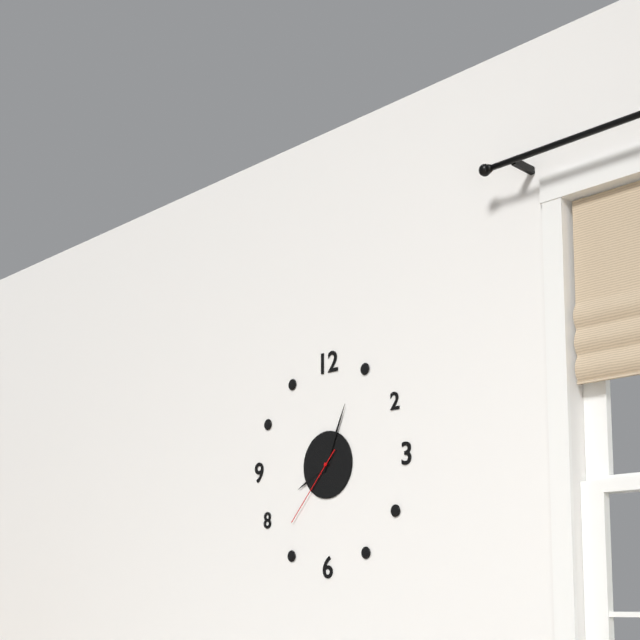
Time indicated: 8:04:37
